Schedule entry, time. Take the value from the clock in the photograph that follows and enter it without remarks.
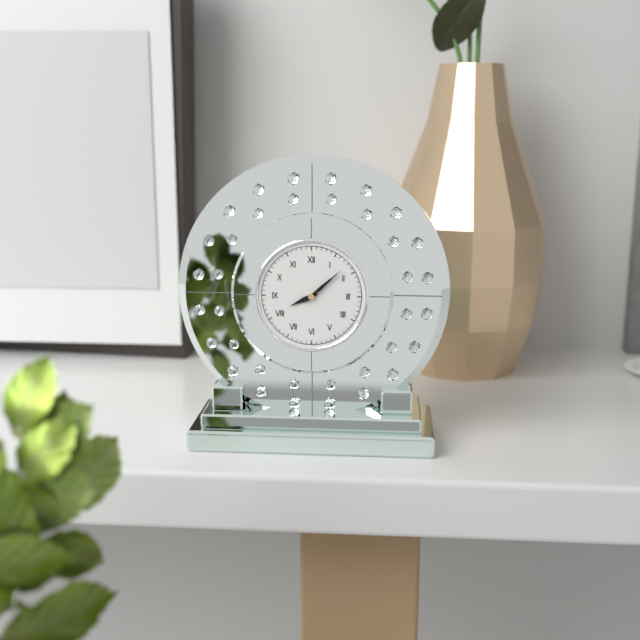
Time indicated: 8:08
